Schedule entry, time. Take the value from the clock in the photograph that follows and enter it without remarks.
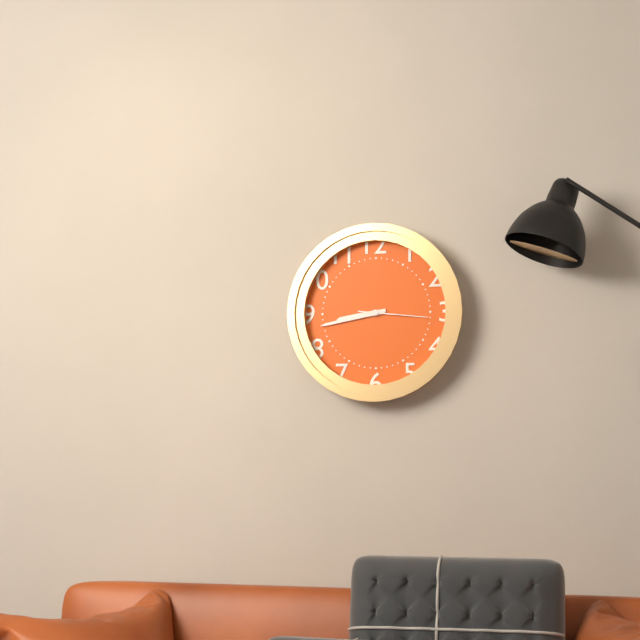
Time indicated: 8:43:16
